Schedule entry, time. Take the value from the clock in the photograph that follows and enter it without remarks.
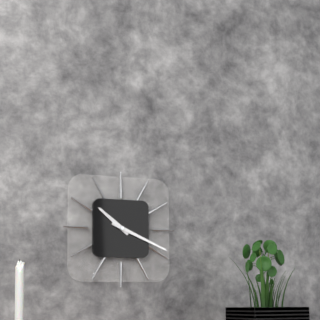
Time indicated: 10:19
